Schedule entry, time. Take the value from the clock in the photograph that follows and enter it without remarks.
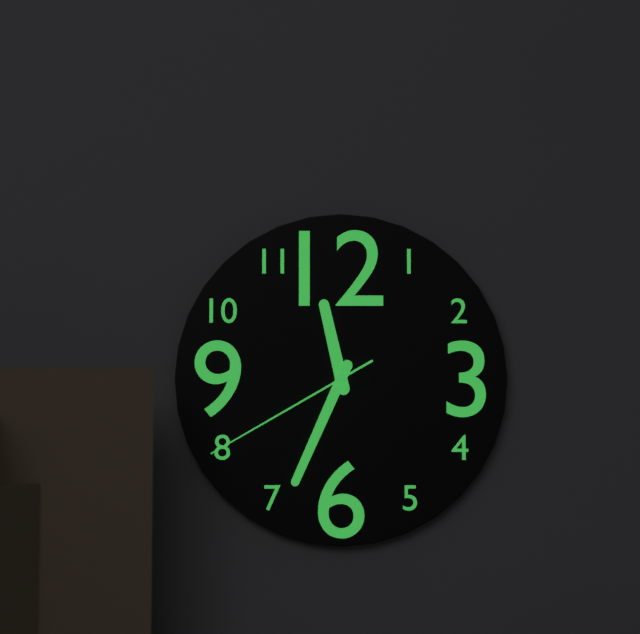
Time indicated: 11:34:40
